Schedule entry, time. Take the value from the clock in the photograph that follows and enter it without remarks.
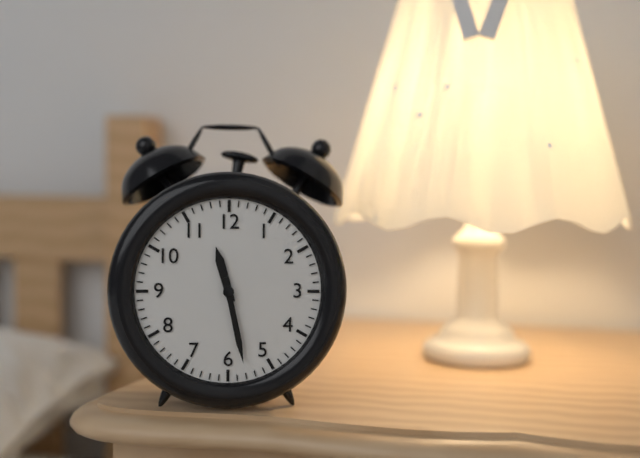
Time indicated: 11:28
